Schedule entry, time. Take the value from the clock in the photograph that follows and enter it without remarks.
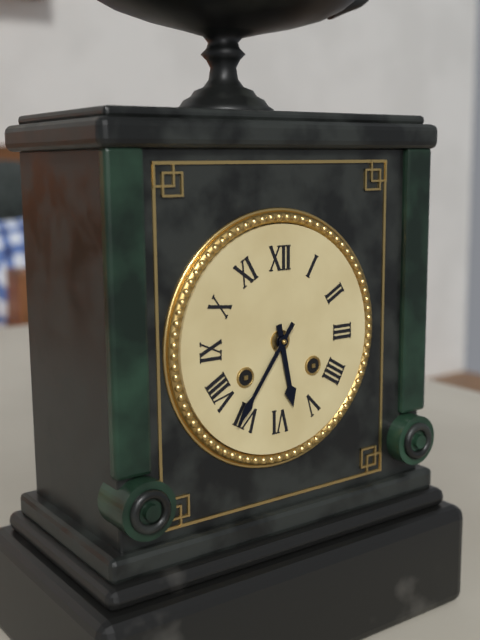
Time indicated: 5:36
